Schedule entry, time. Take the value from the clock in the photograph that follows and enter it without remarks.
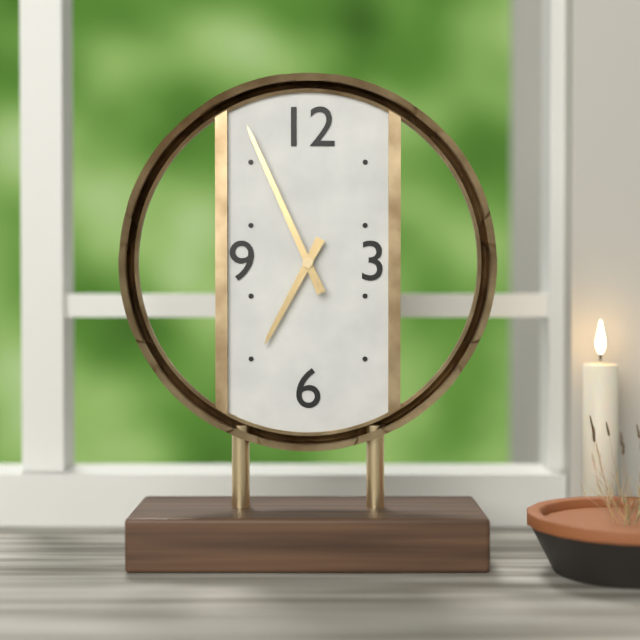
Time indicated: 6:56
